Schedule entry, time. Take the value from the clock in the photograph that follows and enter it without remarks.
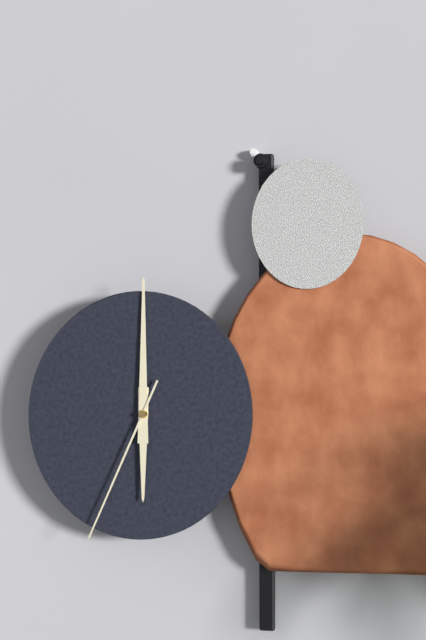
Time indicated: 6:00:34
